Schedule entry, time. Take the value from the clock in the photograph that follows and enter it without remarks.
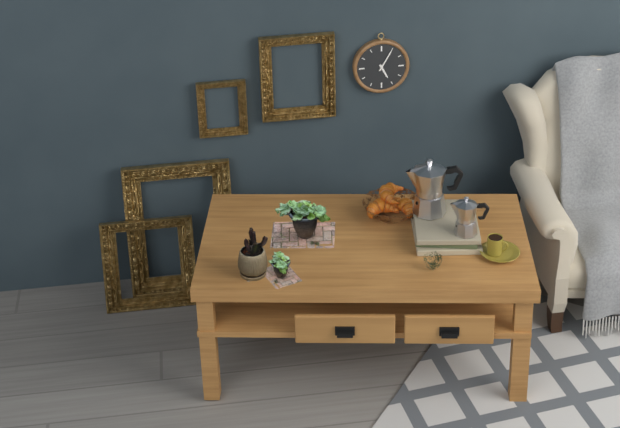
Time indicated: 5:05
